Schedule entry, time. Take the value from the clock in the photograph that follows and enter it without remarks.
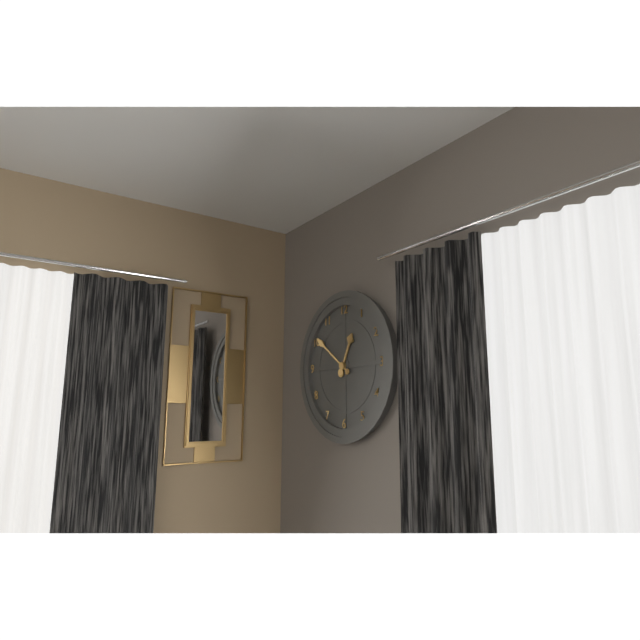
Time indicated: 12:51
